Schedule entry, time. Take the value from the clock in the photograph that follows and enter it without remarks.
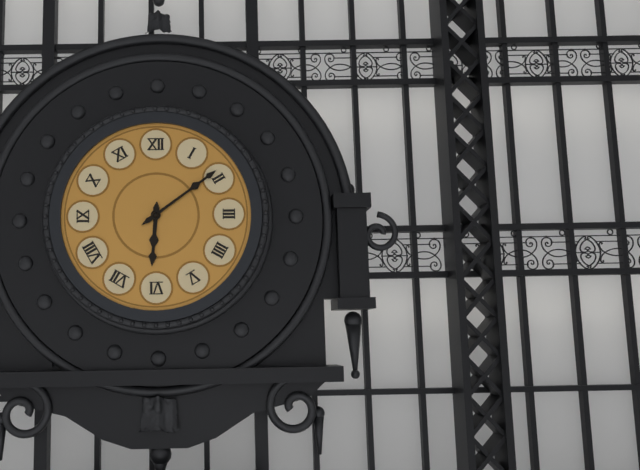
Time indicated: 6:09
